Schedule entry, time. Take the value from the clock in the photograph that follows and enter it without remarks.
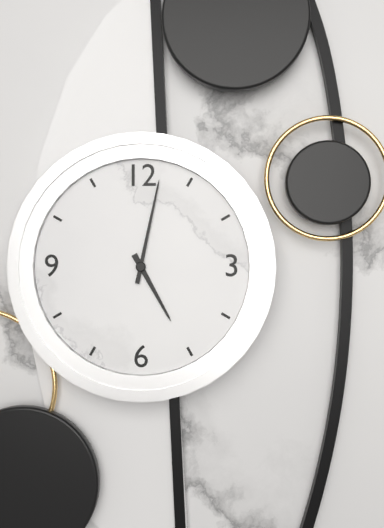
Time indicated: 5:02
